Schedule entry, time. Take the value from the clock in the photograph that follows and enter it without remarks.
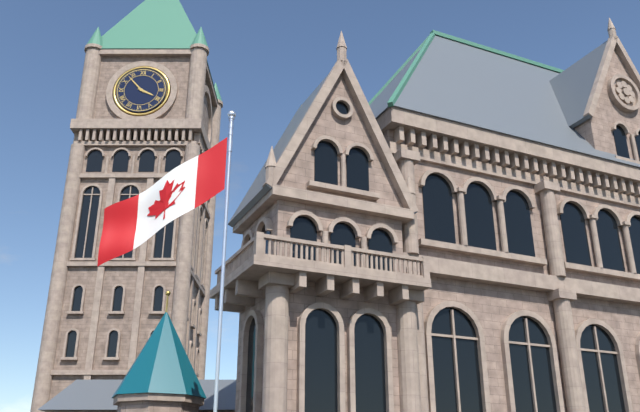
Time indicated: 3:53
